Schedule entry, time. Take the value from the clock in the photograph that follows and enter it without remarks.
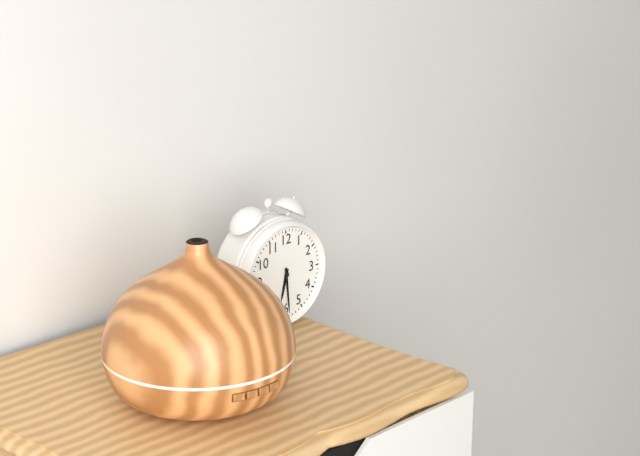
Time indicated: 6:29
